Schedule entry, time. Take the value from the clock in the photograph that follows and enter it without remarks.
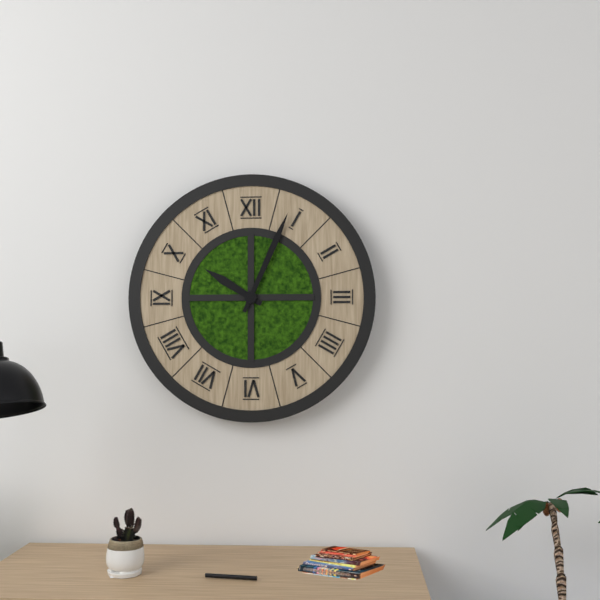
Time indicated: 10:04
